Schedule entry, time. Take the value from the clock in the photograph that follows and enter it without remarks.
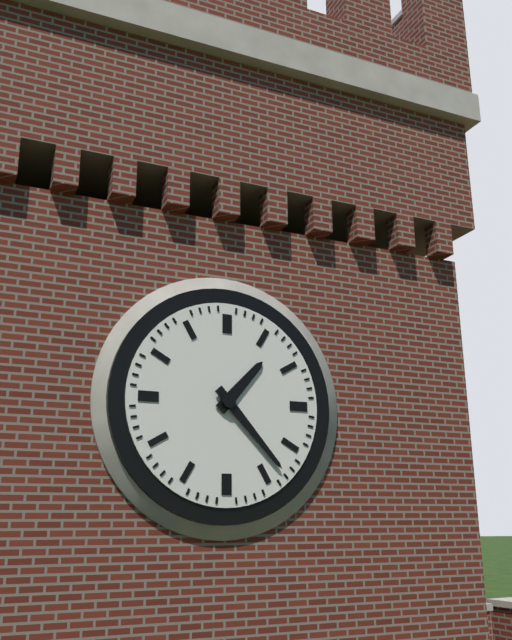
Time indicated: 1:23
